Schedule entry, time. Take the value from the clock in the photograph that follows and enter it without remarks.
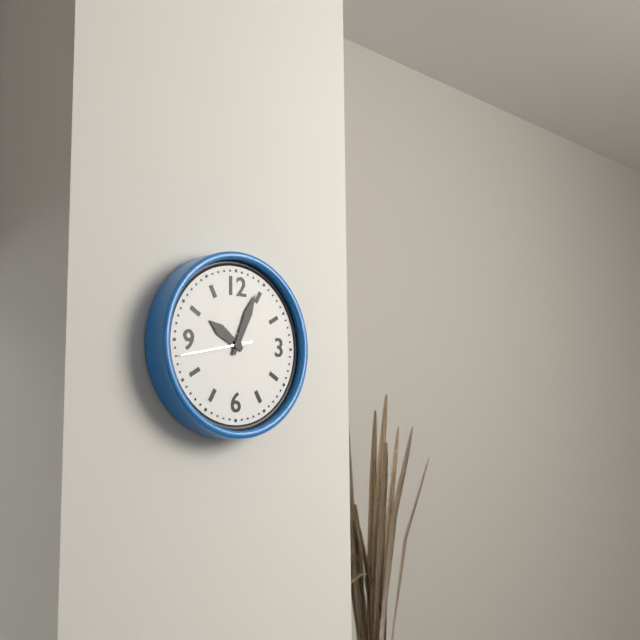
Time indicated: 10:04:43
